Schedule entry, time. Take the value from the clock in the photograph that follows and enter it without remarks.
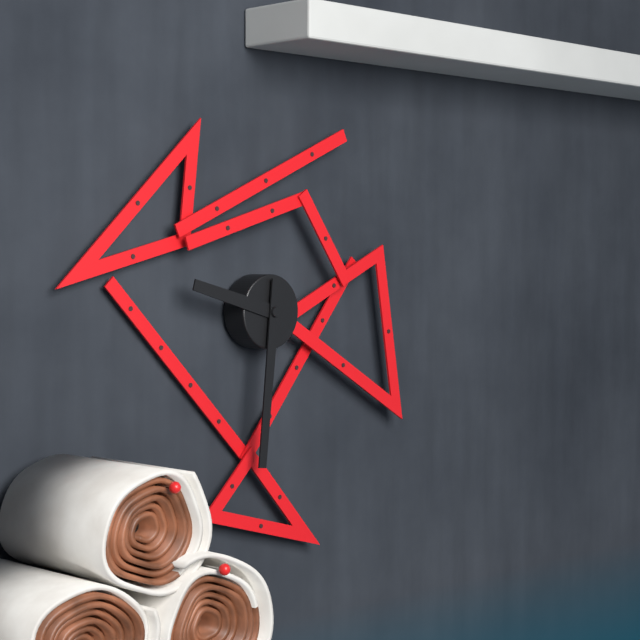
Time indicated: 9:31
